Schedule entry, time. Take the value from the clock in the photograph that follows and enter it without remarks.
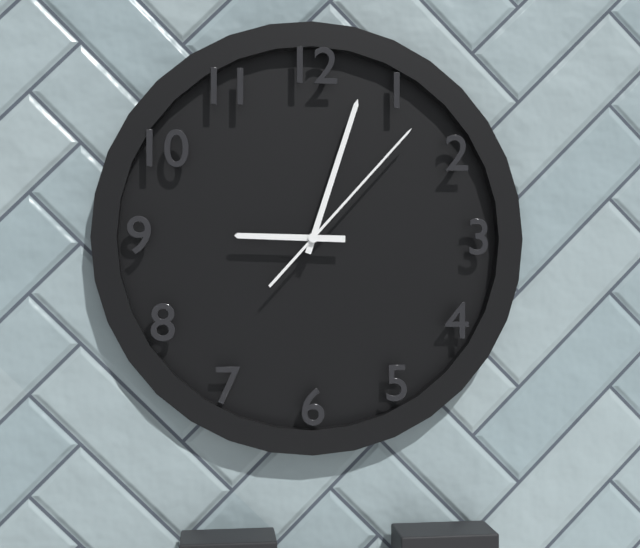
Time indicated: 9:03:07
